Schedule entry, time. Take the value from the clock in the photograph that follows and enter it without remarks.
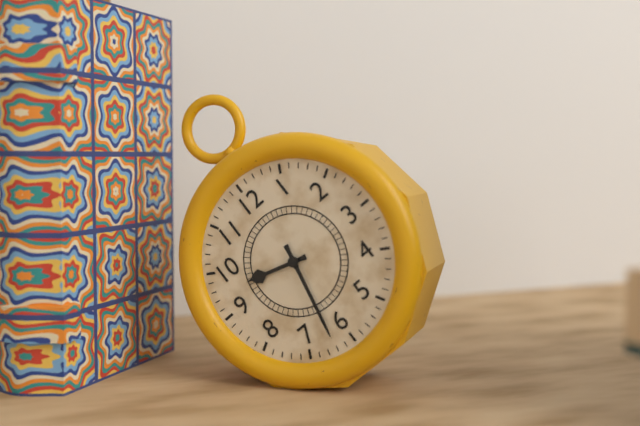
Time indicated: 9:32
